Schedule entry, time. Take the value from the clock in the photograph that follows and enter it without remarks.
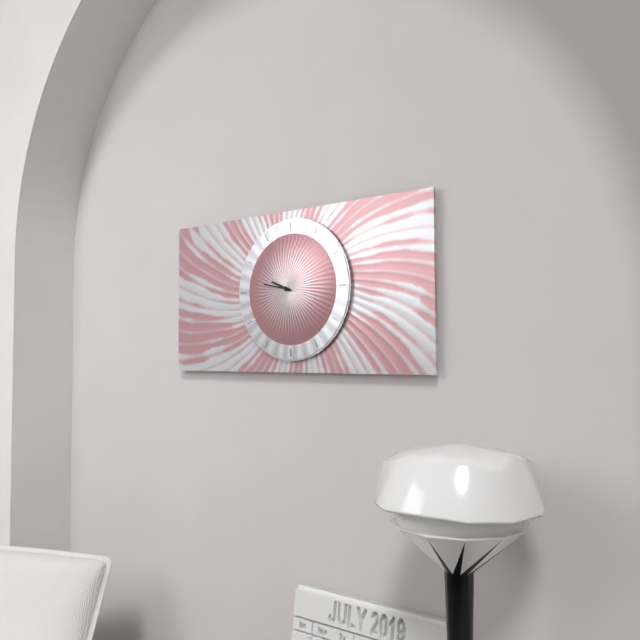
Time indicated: 9:47
